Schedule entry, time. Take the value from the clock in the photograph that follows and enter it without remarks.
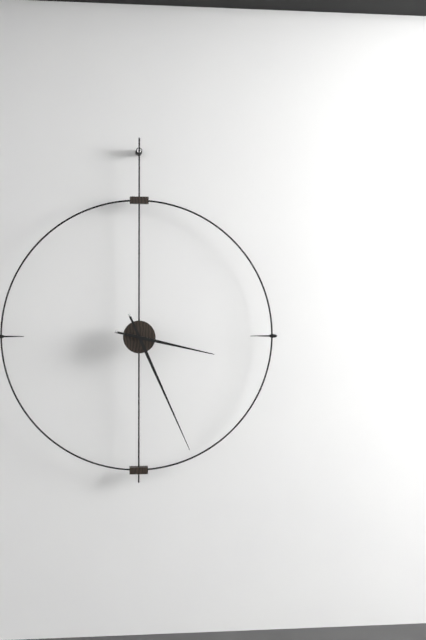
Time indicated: 3:26
